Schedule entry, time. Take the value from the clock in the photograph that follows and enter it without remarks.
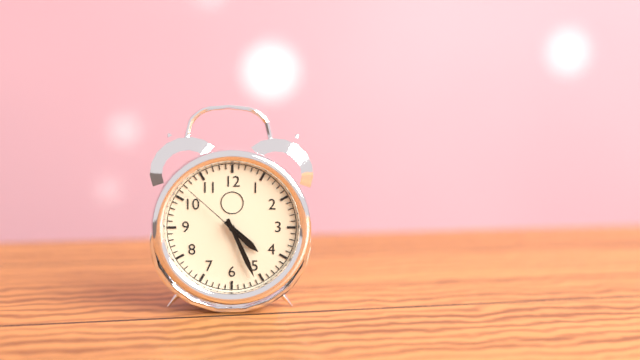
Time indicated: 4:26:52
